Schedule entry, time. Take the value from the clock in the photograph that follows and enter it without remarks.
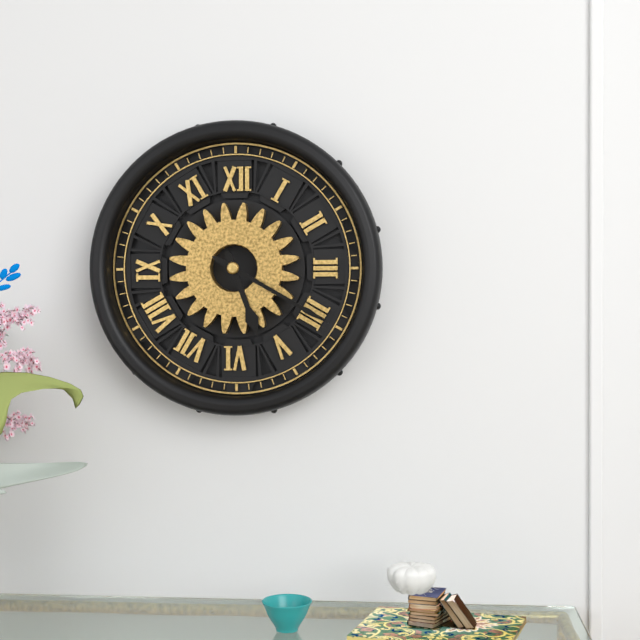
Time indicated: 5:20
